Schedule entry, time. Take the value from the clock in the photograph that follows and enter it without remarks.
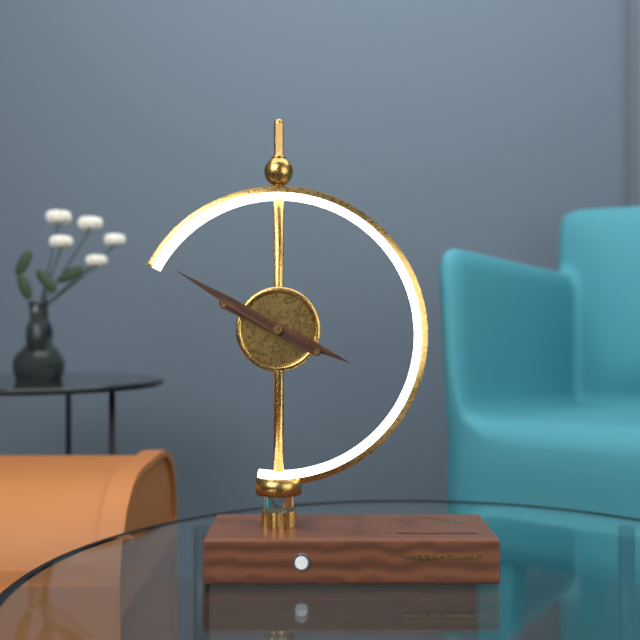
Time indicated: 3:50
